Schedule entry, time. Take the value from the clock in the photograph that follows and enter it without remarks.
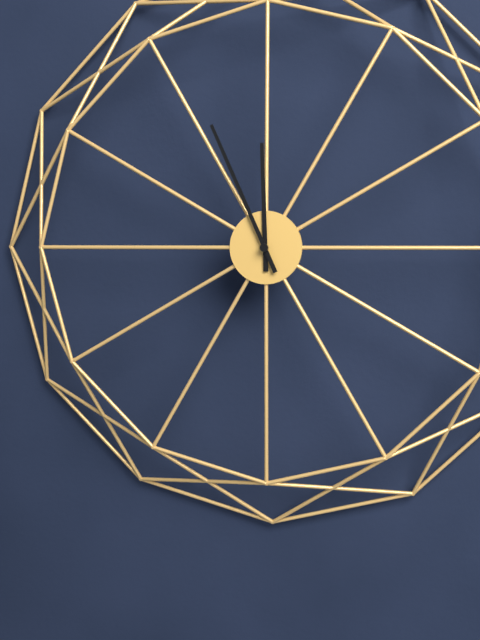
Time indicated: 11:56
